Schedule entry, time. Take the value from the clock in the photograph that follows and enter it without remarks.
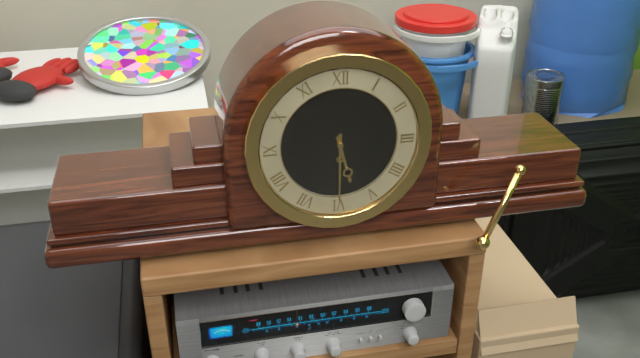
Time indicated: 5:30
